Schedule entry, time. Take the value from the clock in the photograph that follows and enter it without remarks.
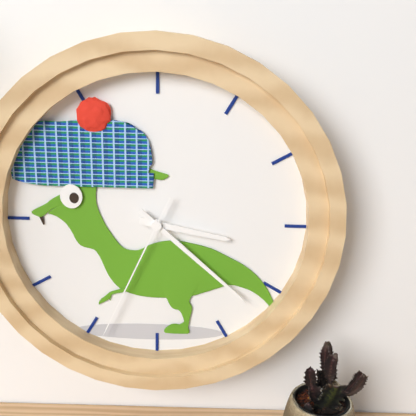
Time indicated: 3:22:34
